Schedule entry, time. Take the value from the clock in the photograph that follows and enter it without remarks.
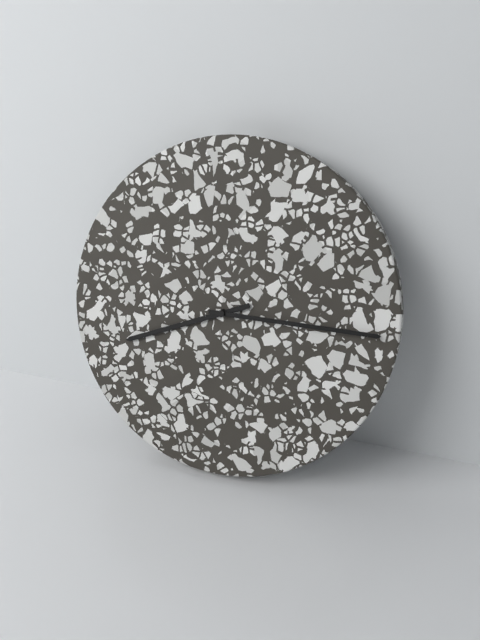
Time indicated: 8:15
